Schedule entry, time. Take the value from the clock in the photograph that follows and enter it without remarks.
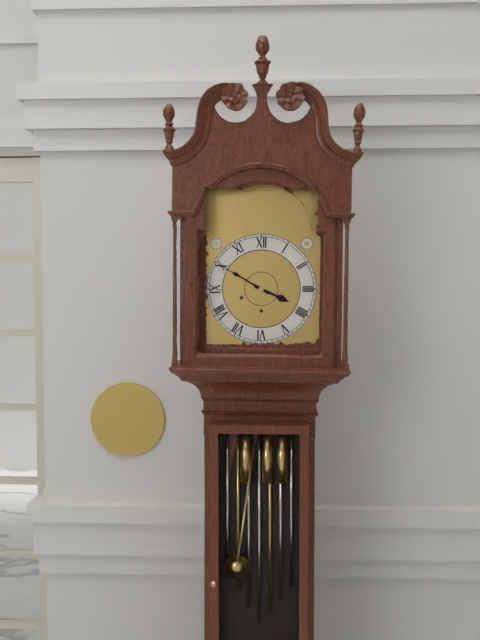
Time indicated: 3:50
